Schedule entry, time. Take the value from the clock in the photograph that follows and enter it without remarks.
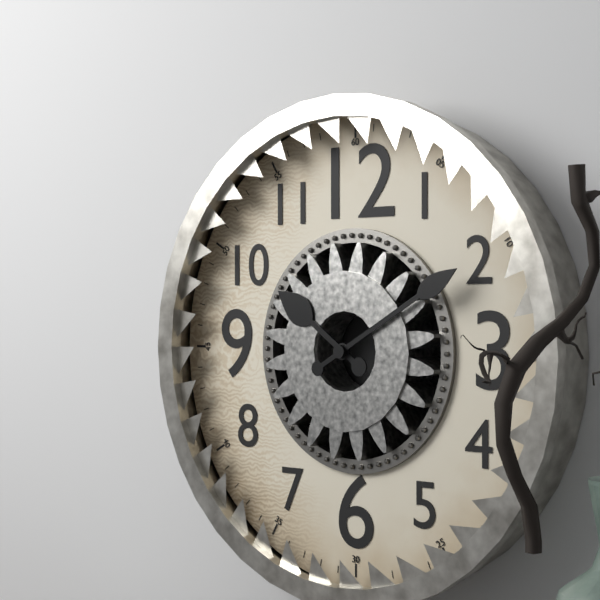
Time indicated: 10:10
